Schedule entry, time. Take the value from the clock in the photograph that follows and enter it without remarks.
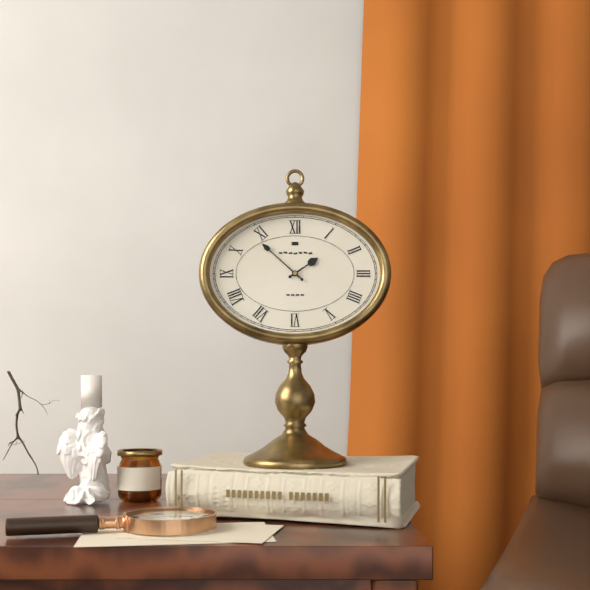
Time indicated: 1:52
